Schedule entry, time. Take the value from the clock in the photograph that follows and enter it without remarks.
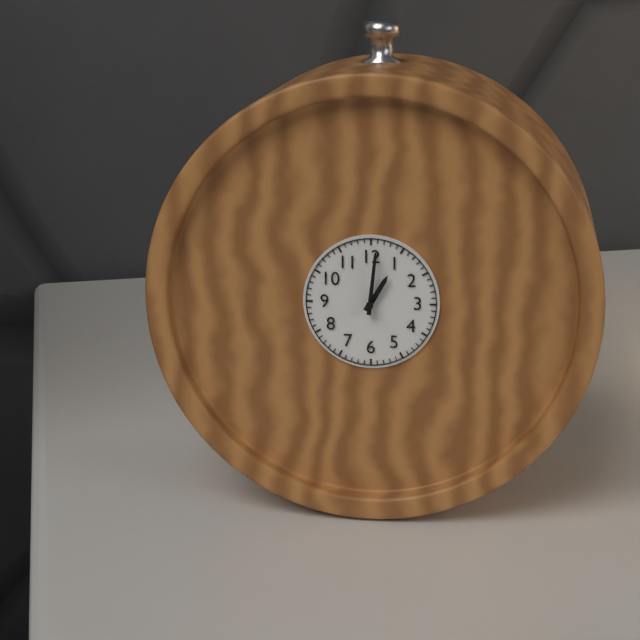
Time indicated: 1:01
